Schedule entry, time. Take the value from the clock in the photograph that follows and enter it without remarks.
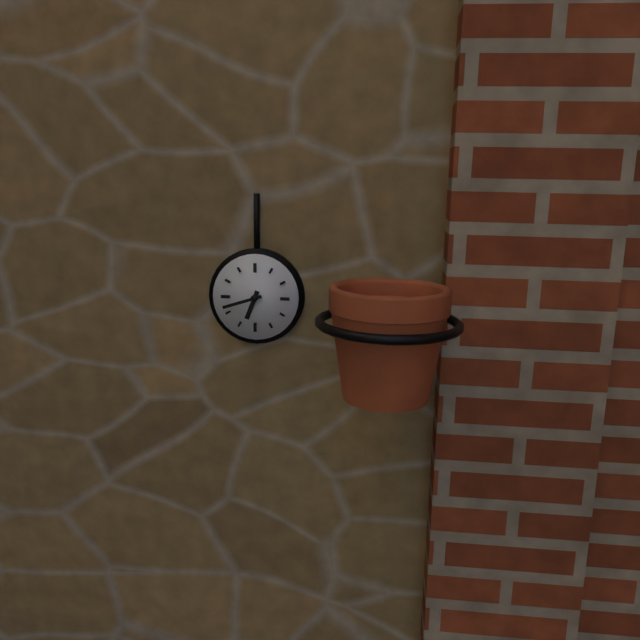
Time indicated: 6:42
